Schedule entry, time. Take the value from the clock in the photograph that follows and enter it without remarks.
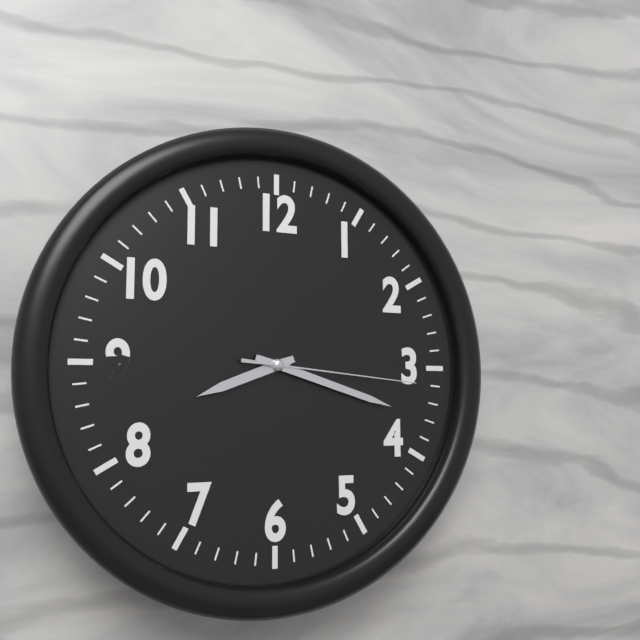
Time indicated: 8:18:16
